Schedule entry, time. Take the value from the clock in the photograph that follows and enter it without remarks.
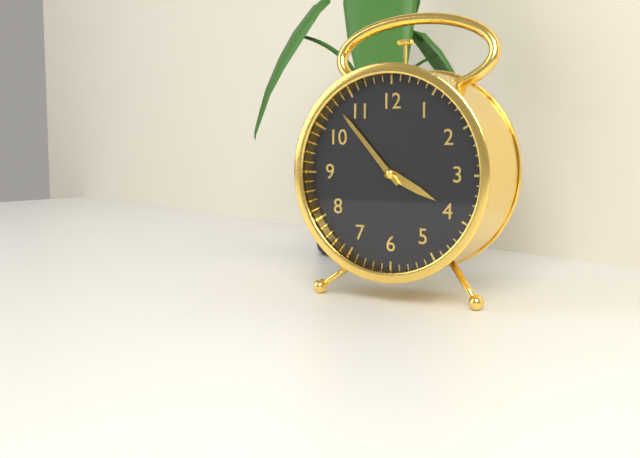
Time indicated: 3:53
